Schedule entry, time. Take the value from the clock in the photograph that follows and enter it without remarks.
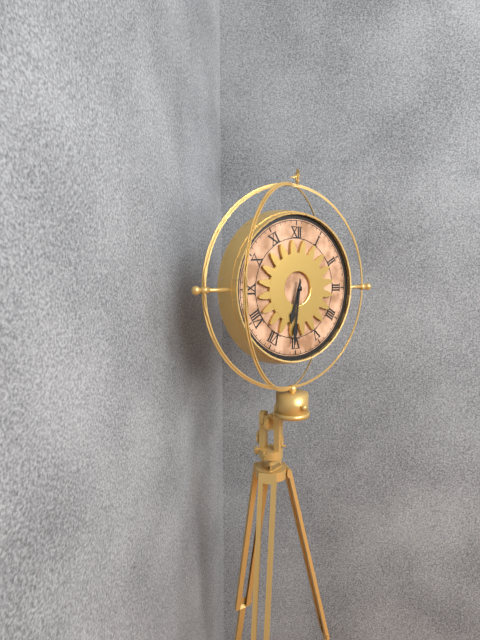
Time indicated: 6:31
